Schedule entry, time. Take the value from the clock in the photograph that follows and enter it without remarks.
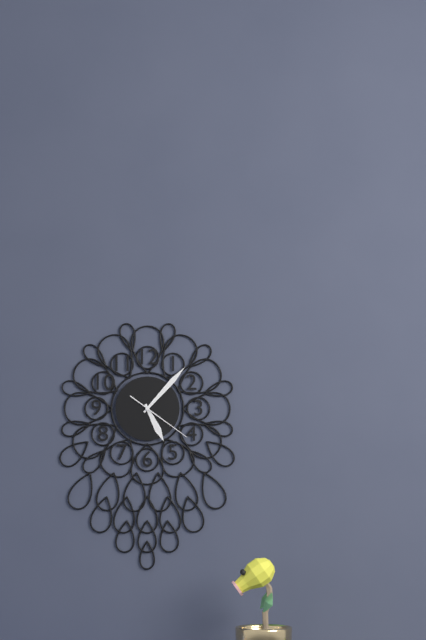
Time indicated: 5:07:21
